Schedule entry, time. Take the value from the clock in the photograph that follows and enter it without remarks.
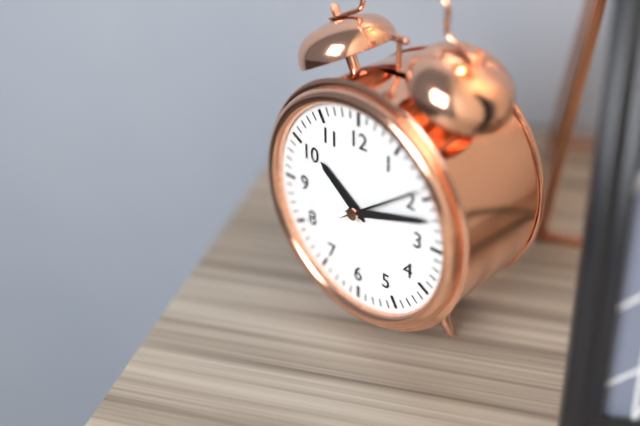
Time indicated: 10:12:09
